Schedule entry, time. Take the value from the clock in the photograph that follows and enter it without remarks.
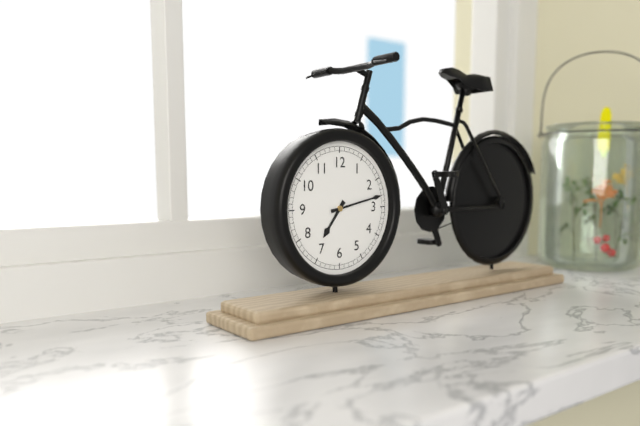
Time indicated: 7:13
